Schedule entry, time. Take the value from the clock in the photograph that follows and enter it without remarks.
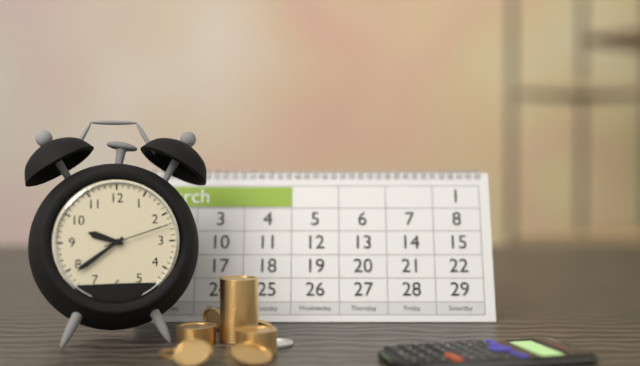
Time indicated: 9:39:12
